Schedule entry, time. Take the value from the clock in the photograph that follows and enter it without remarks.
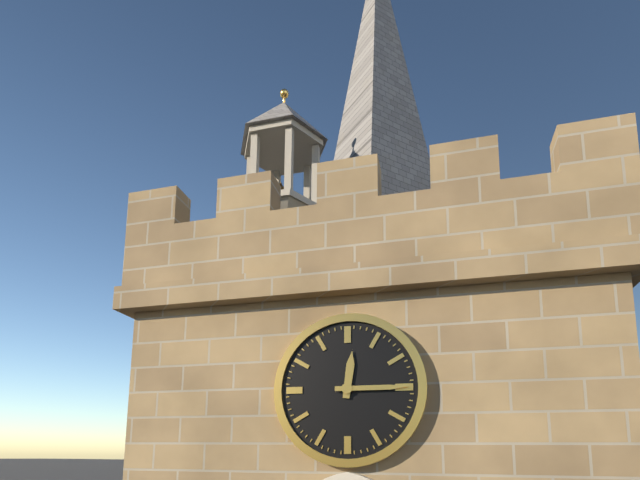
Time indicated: 12:15
